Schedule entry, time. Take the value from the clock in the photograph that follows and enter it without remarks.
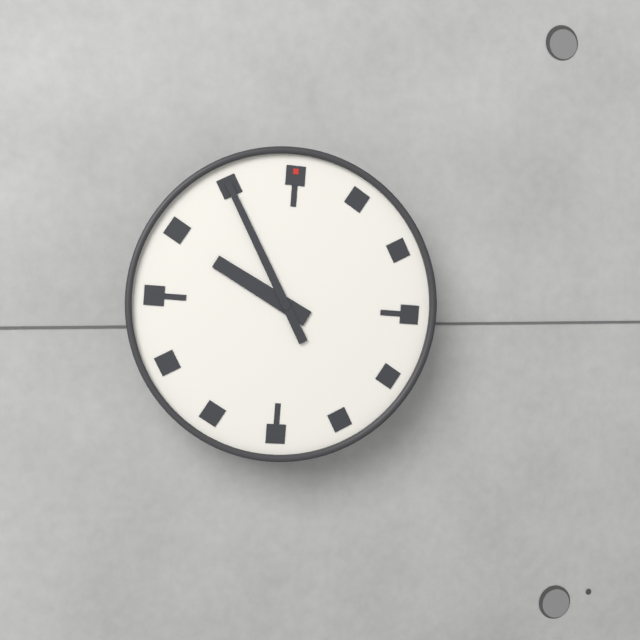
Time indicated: 9:55
